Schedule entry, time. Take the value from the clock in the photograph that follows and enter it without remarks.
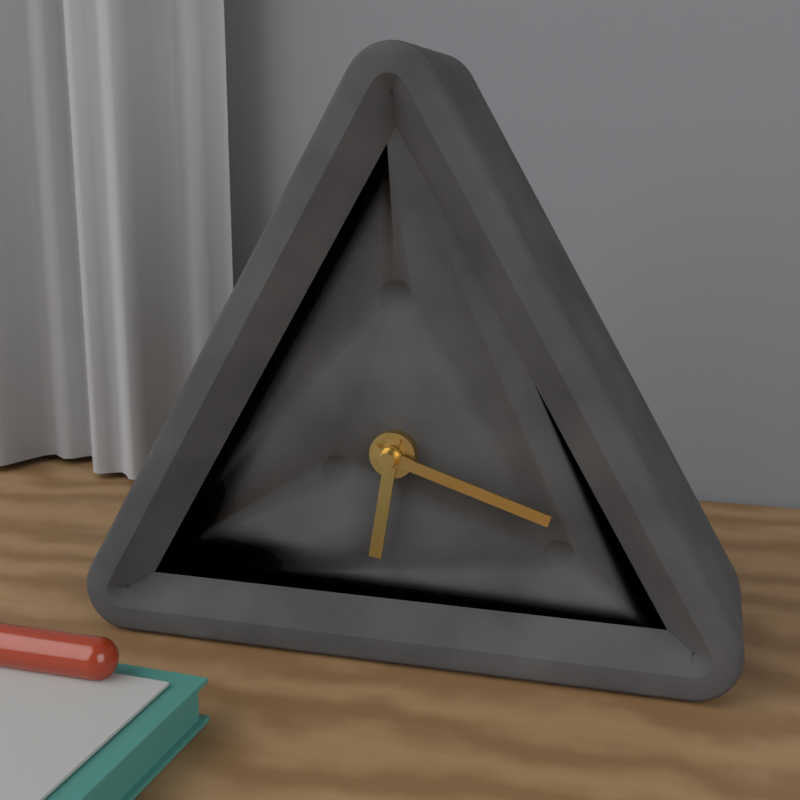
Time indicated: 6:18
